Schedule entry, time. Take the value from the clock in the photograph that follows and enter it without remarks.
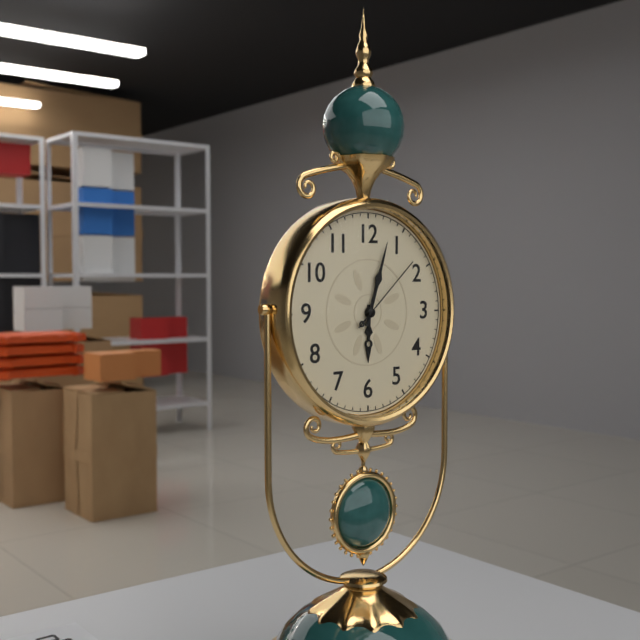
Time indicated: 6:03:08
